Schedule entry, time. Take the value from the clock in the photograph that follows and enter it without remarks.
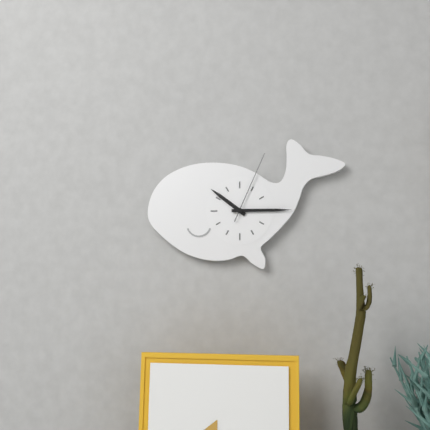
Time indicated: 10:15:04
